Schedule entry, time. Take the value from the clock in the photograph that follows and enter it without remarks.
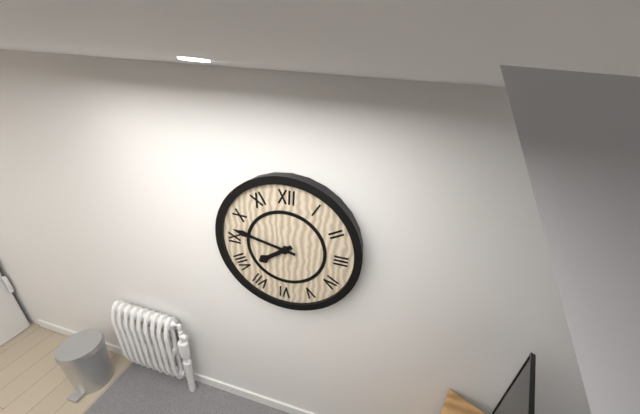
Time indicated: 7:47
